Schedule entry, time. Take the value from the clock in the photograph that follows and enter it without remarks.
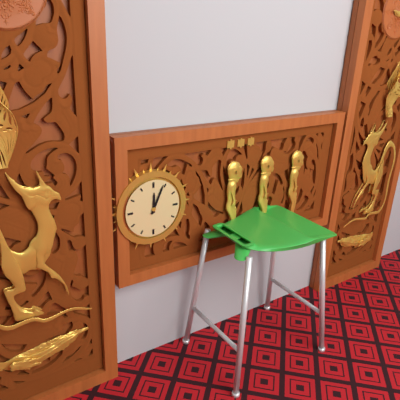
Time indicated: 12:04
